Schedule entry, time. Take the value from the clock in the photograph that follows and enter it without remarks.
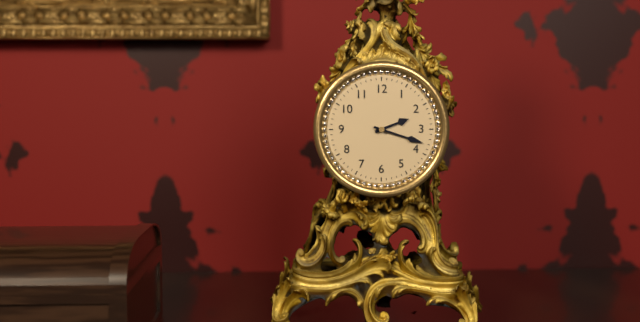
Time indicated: 2:18
